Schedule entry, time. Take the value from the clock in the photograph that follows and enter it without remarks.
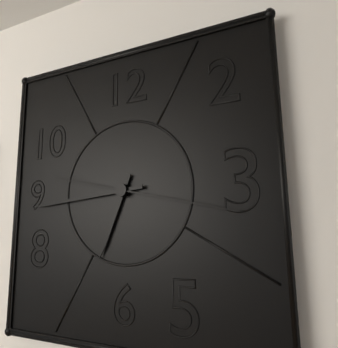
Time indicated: 6:44:17
